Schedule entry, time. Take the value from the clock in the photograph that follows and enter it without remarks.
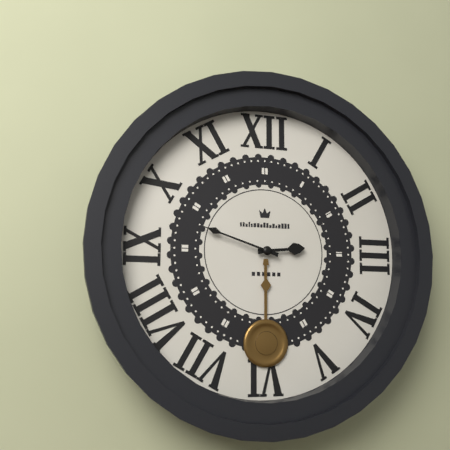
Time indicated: 2:48
